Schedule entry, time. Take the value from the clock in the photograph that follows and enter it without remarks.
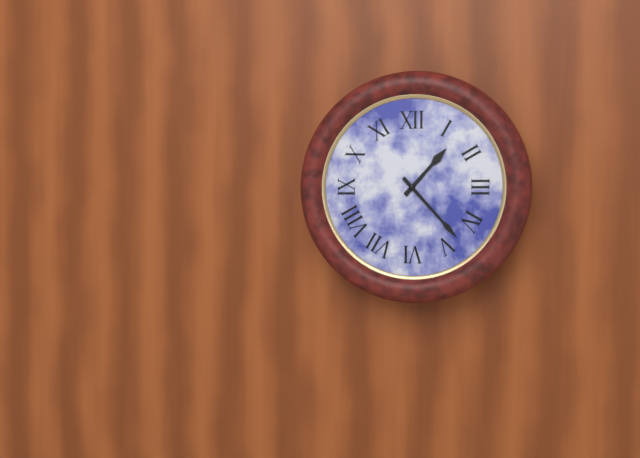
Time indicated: 1:23
